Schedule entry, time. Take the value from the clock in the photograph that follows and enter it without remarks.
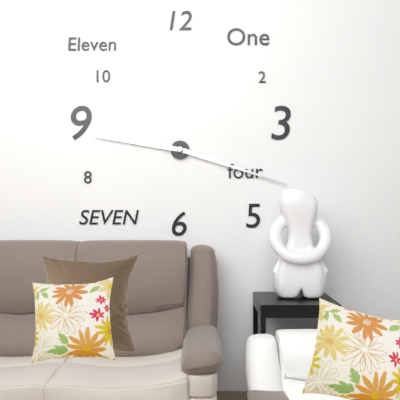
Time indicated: 9:18
